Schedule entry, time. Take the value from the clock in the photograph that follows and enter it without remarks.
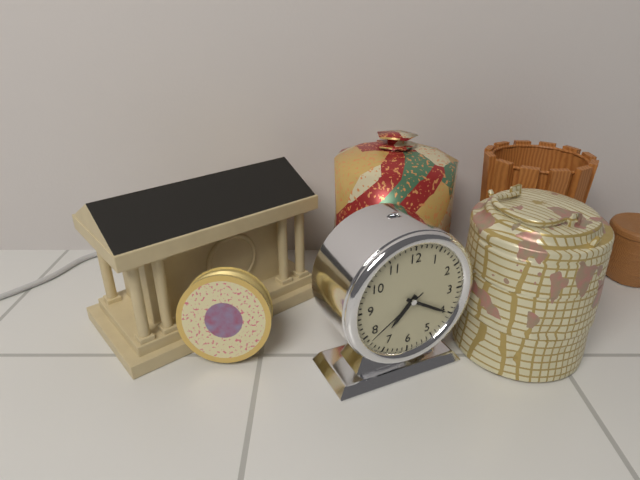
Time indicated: 7:20:39
